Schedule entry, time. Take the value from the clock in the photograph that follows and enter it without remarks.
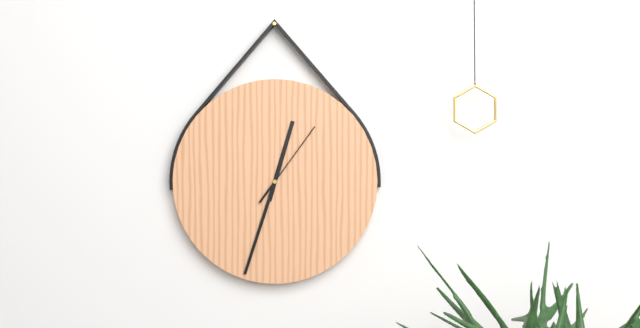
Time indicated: 12:33:06
